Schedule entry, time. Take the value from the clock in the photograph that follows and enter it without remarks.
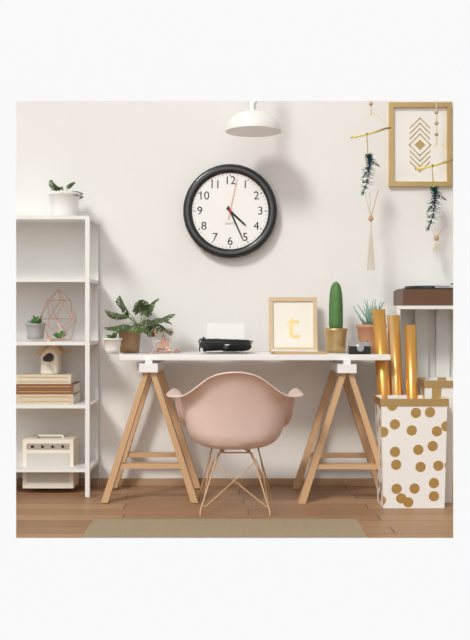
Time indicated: 4:26
